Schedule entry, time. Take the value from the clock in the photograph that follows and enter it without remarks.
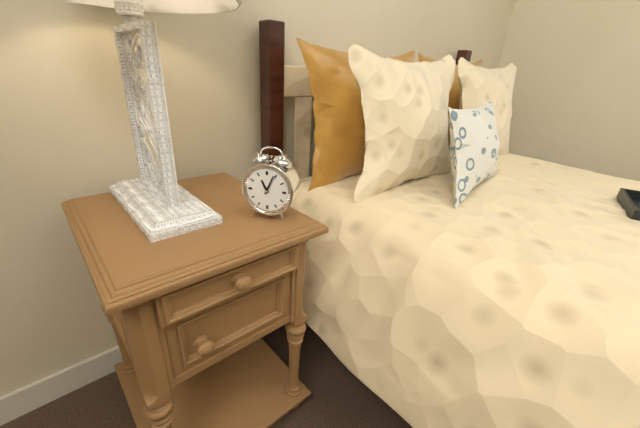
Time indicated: 11:04
